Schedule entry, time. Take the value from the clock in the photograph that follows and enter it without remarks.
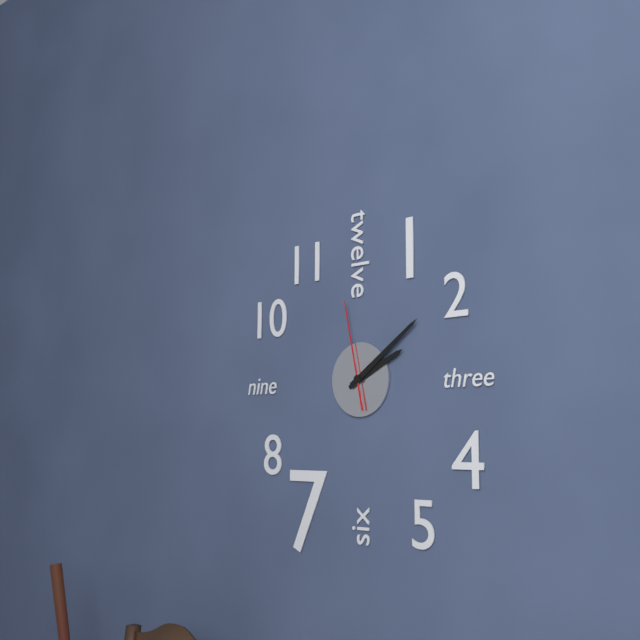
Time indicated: 2:09:58
